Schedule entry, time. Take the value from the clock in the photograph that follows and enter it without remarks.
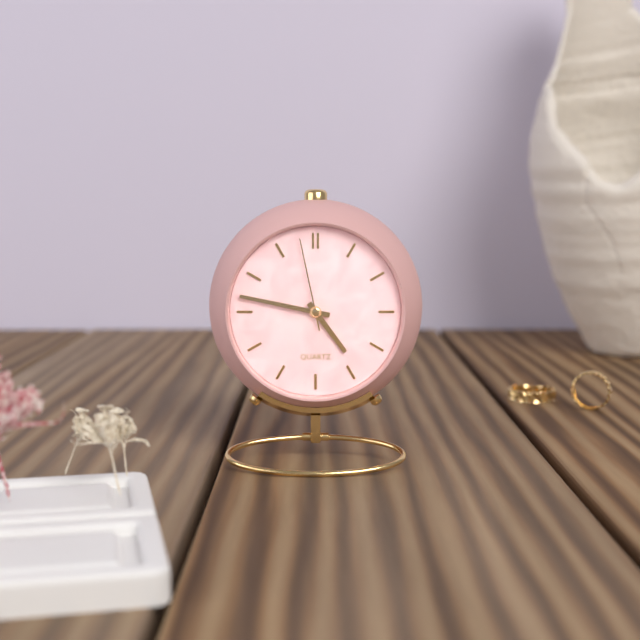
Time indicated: 4:47:58
